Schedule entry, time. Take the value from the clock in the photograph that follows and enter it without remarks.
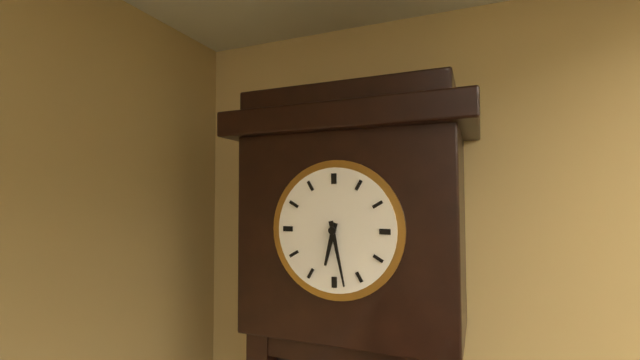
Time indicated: 6:28
